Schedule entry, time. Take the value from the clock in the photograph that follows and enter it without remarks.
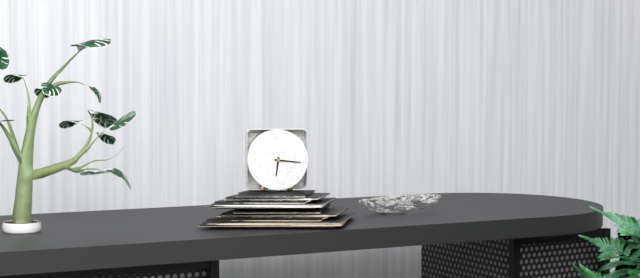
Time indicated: 6:16
